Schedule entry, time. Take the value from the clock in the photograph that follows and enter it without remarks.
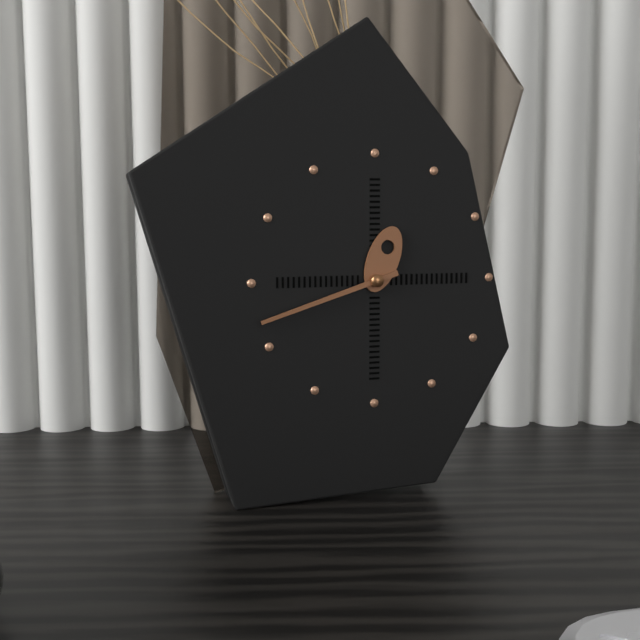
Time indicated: 12:42
